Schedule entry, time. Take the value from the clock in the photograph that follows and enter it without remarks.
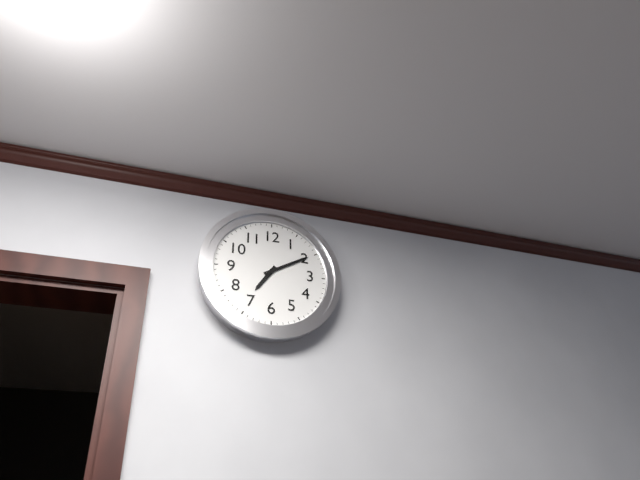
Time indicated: 7:10
